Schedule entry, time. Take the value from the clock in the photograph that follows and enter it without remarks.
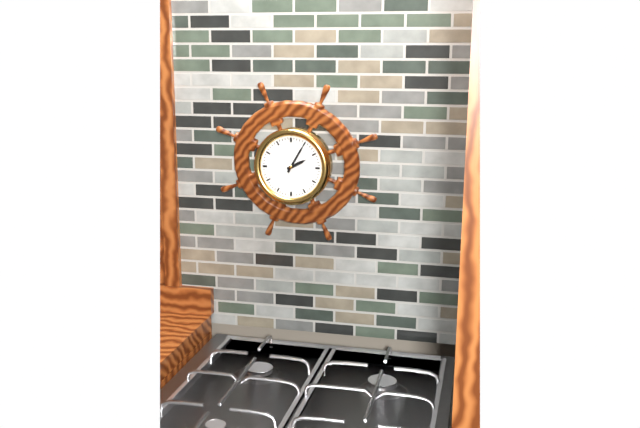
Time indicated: 2:05
